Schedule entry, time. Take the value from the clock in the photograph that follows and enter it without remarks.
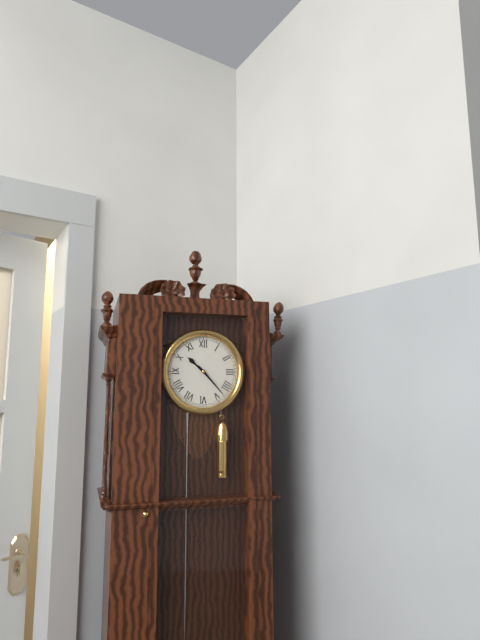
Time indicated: 10:23
